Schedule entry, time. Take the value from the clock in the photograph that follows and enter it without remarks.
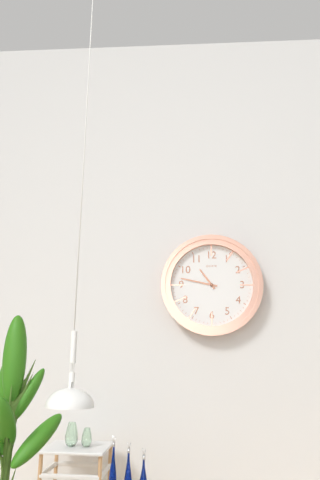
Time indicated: 10:47
